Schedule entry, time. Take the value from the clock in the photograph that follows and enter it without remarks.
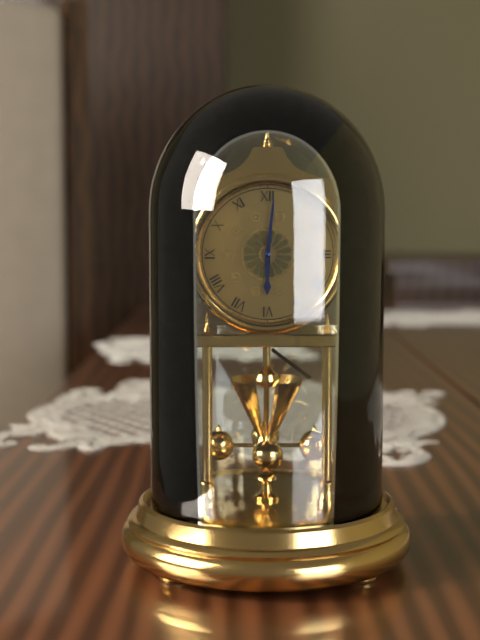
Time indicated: 6:01
